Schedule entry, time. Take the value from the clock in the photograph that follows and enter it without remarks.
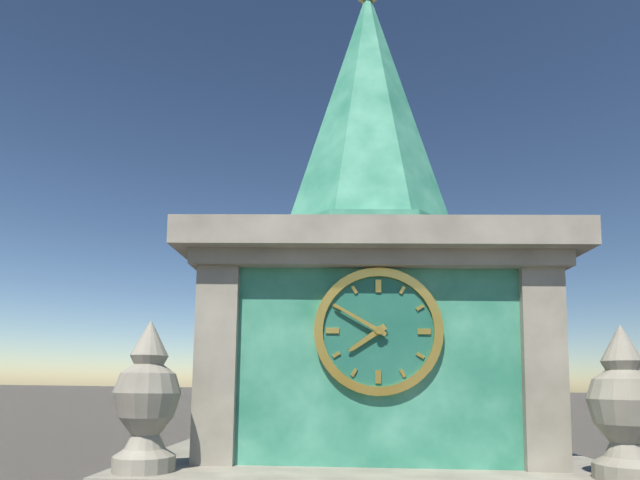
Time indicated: 7:50
